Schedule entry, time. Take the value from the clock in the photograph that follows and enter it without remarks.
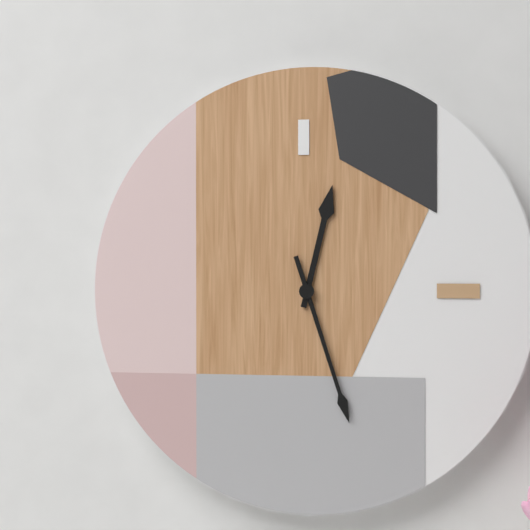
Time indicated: 12:27
